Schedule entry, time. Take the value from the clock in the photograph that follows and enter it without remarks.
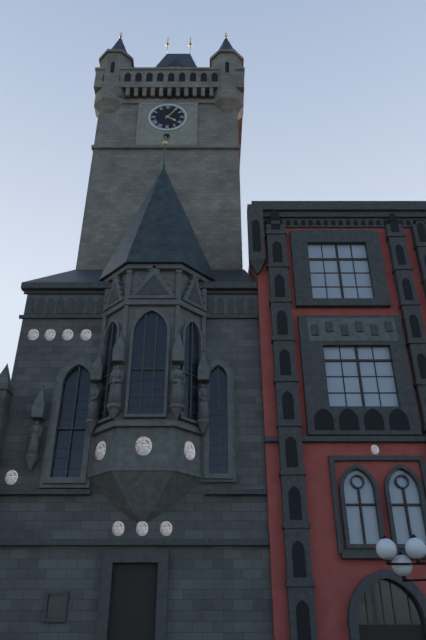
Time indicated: 4:06
